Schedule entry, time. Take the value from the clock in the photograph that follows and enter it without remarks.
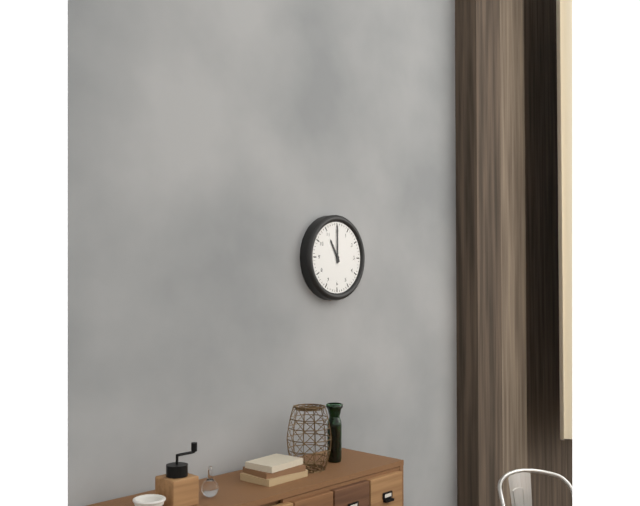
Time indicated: 11:00
